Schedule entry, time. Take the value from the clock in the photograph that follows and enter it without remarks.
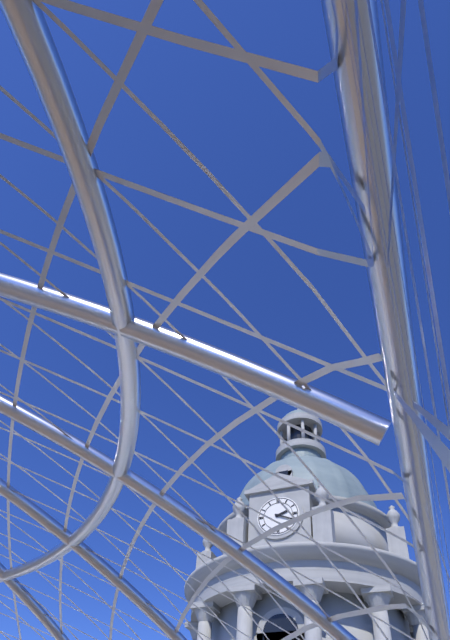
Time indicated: 2:19
